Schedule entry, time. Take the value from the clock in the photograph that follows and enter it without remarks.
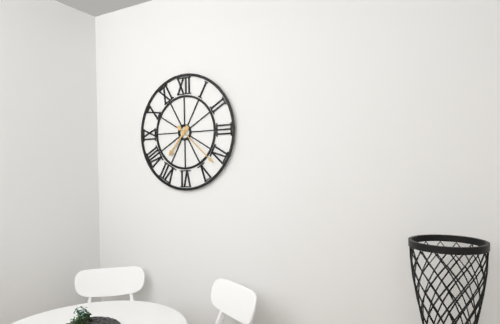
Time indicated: 7:22
